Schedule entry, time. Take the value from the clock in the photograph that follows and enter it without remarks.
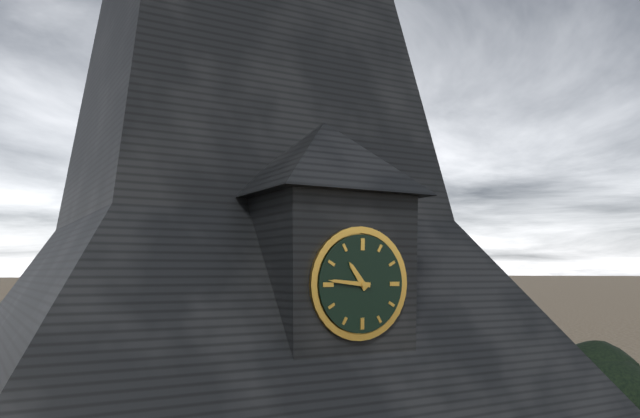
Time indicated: 10:46
